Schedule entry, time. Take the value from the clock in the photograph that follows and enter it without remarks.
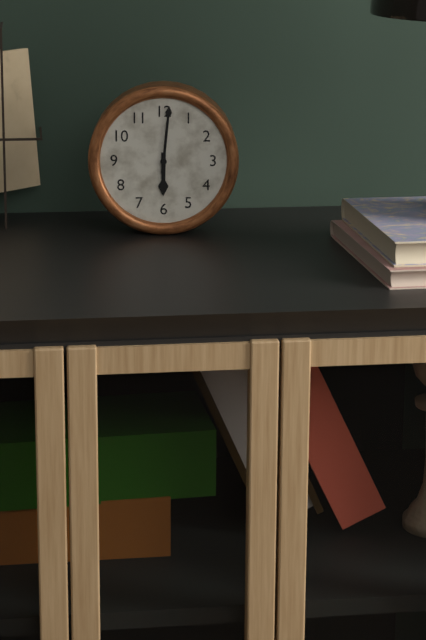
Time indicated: 6:01
